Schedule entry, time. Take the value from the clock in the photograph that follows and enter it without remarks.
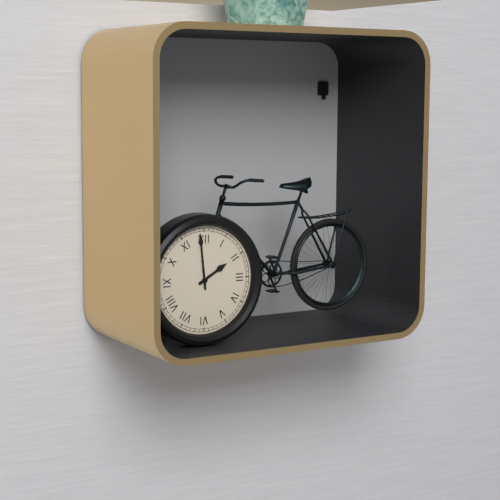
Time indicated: 1:59
